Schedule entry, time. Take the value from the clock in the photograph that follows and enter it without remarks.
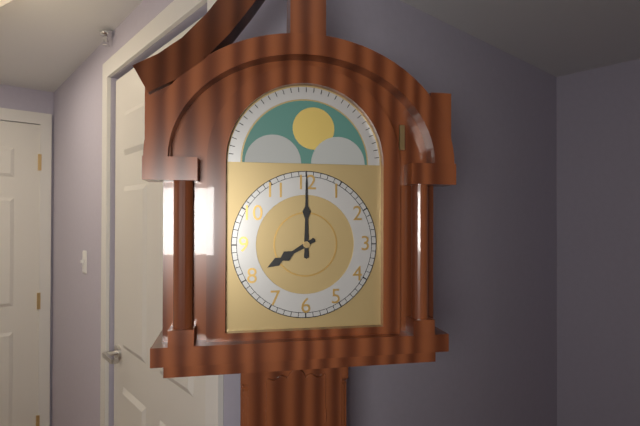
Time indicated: 8:00
